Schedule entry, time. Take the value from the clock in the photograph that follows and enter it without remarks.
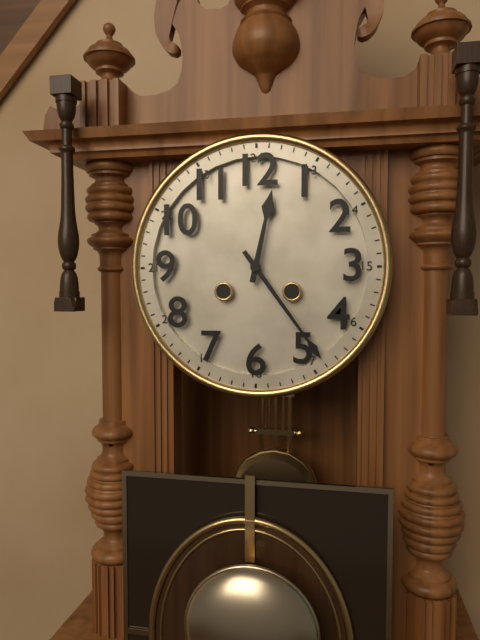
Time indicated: 12:24
